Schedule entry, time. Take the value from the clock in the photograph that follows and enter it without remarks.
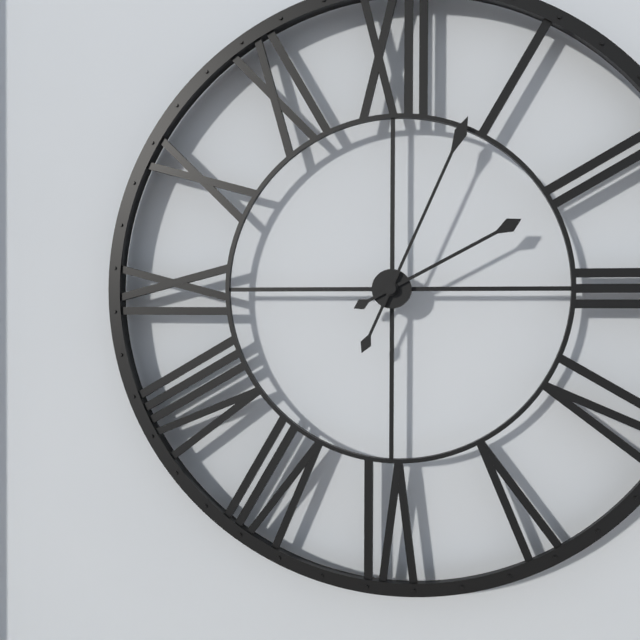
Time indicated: 2:04
